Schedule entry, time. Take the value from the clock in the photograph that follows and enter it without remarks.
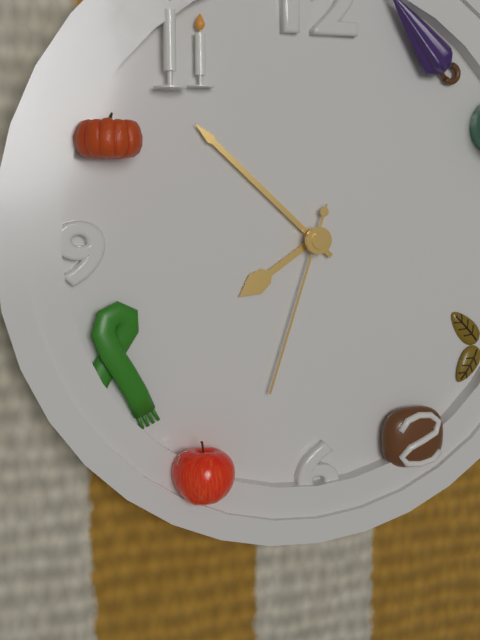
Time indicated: 7:52:33
